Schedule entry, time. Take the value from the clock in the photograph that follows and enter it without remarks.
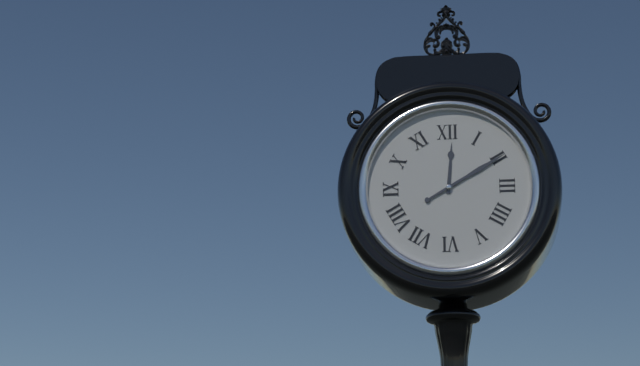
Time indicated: 12:10
